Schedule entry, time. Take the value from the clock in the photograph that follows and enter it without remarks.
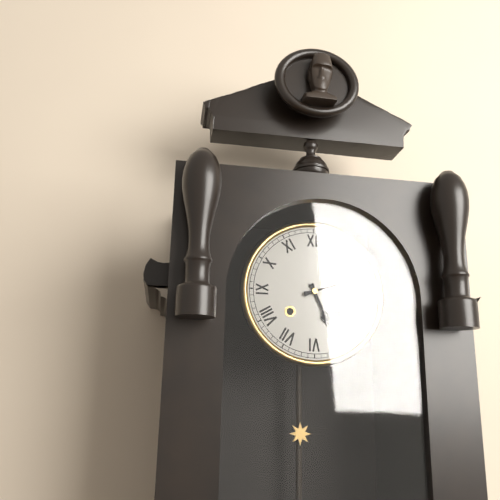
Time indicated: 5:12
